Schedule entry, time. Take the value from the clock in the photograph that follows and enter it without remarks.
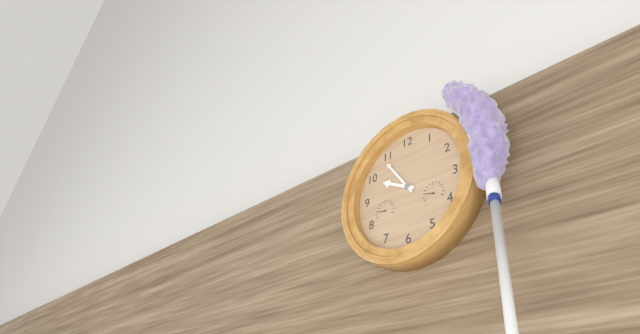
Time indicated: 9:54
